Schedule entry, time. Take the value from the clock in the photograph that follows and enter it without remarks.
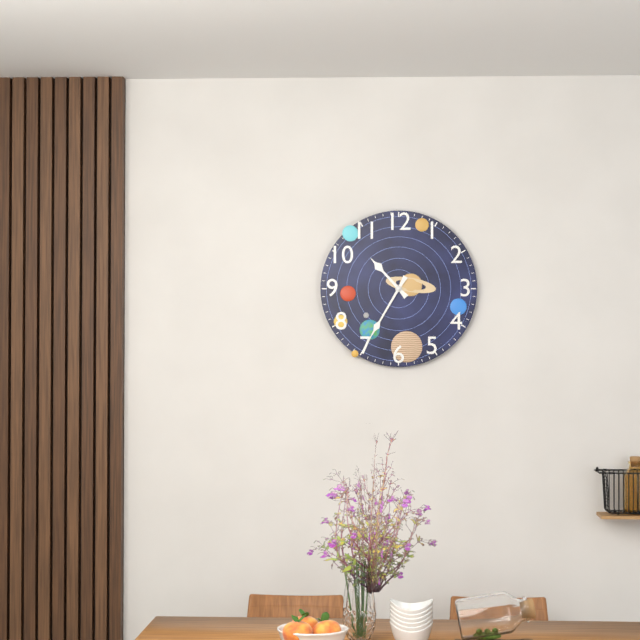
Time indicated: 10:35
